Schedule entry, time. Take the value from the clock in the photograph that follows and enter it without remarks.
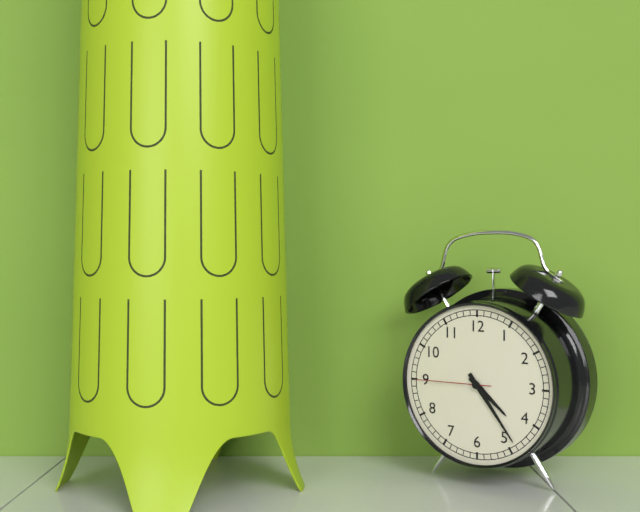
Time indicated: 4:24:45
